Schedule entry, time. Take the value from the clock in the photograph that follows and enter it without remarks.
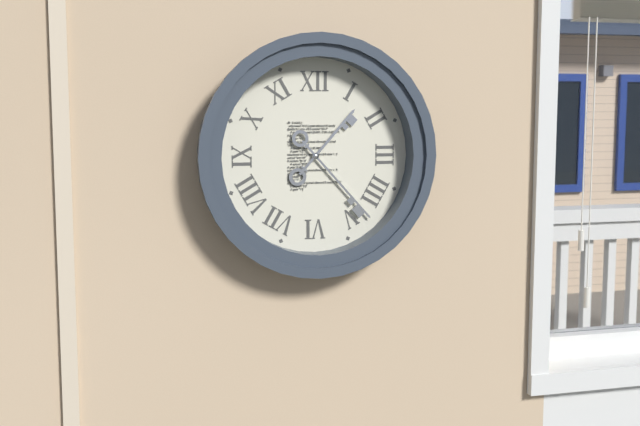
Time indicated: 1:23
